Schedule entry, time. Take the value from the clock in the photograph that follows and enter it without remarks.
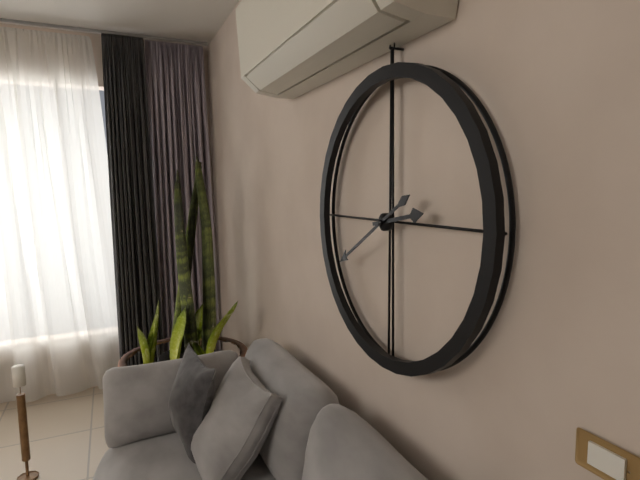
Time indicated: 2:40
